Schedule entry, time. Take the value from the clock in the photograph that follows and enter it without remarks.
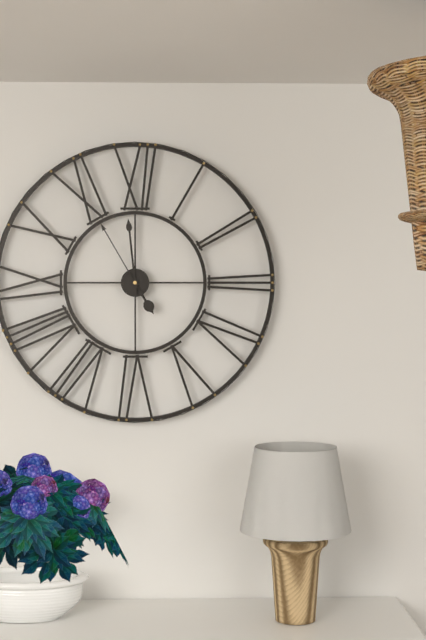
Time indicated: 4:59:55
